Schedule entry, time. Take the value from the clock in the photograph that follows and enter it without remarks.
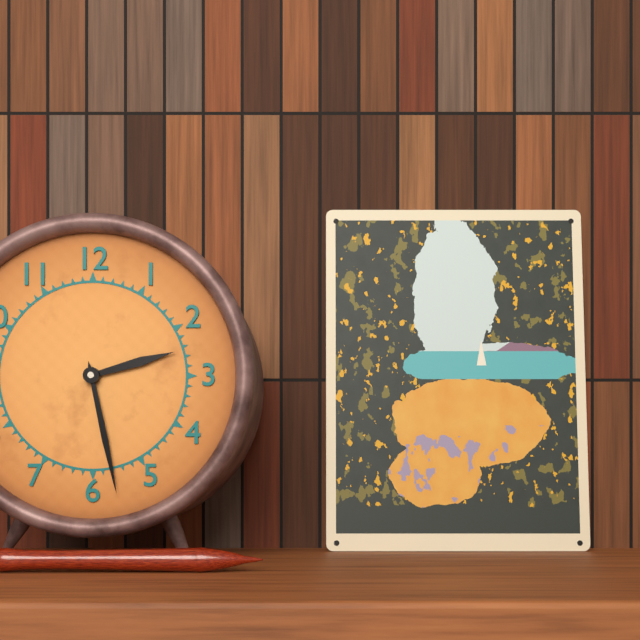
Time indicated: 2:28
